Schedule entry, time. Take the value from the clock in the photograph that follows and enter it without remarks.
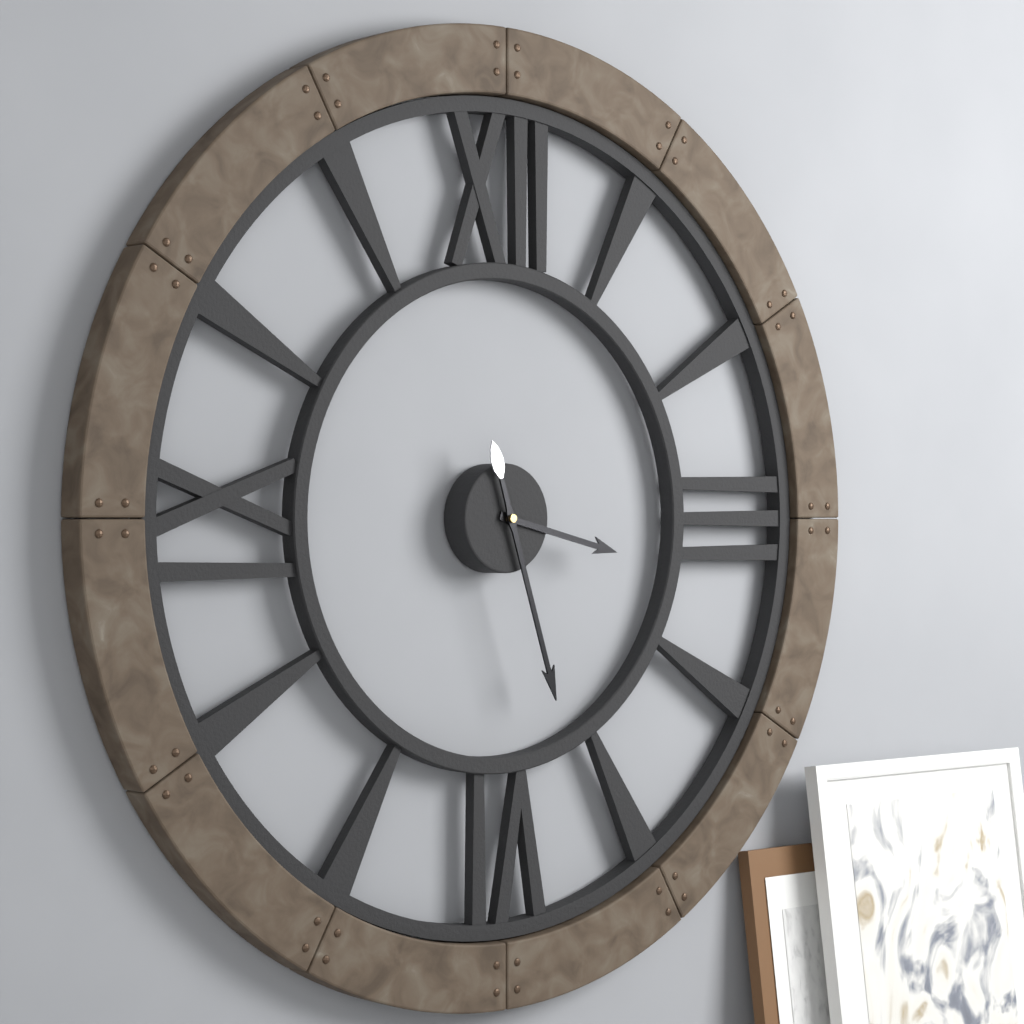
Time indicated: 3:27
